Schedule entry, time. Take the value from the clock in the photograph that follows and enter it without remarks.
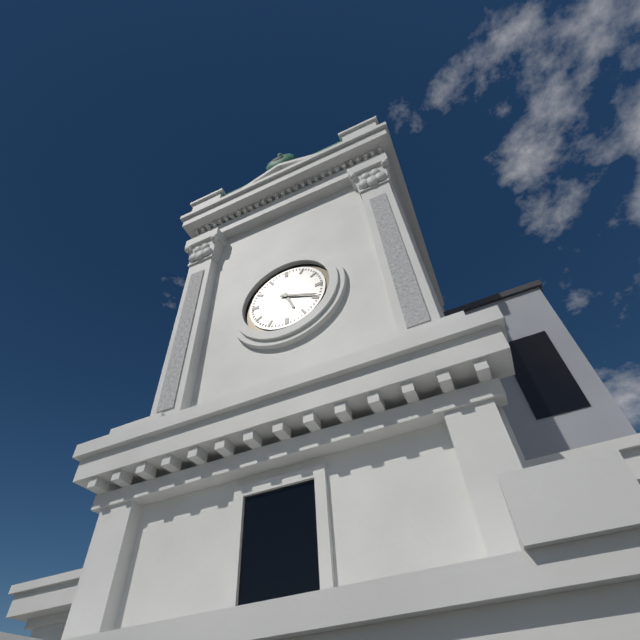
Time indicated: 5:19
